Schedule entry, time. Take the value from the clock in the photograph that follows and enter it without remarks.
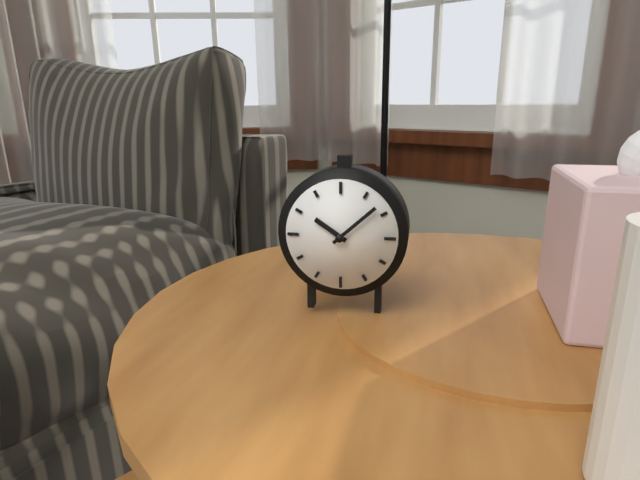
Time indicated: 10:08
